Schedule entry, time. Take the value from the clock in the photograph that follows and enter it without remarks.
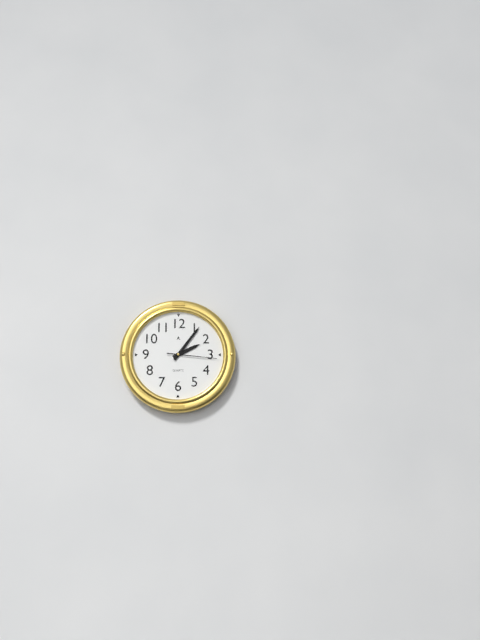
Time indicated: 2:06
